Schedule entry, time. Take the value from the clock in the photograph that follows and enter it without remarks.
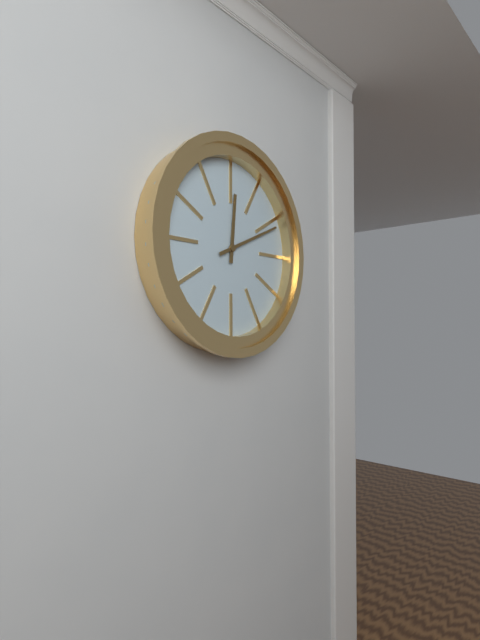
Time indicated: 12:11
